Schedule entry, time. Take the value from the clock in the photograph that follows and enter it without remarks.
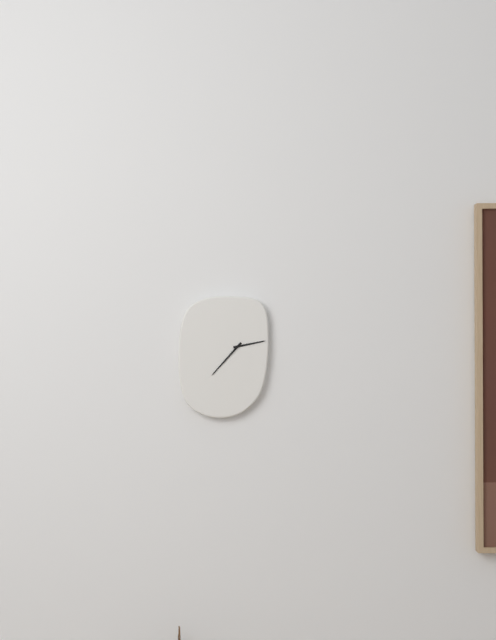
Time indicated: 2:37
